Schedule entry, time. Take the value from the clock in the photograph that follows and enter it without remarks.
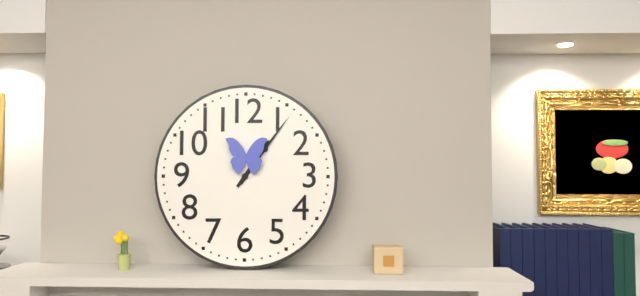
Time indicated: 1:06
